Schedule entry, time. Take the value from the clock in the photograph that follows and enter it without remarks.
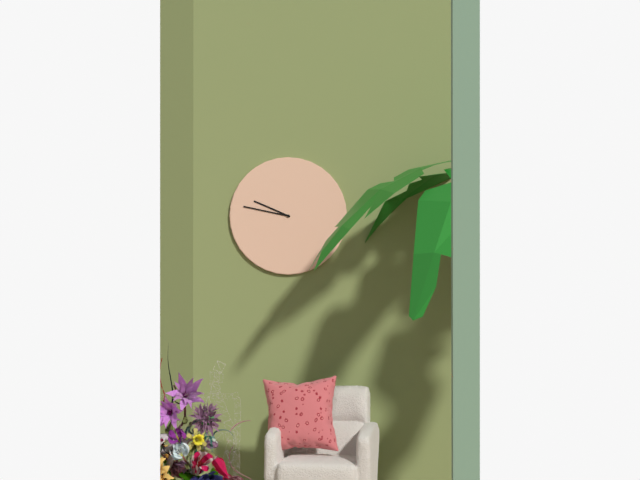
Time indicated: 9:47
